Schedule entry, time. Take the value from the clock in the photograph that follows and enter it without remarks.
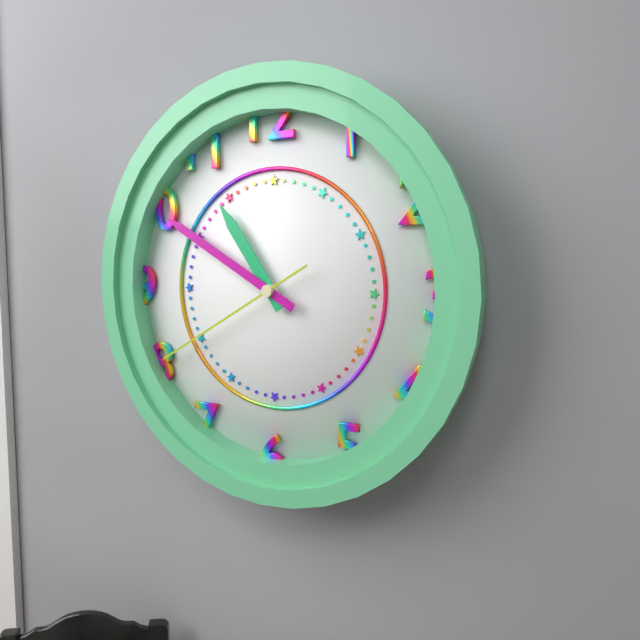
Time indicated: 10:50:40
